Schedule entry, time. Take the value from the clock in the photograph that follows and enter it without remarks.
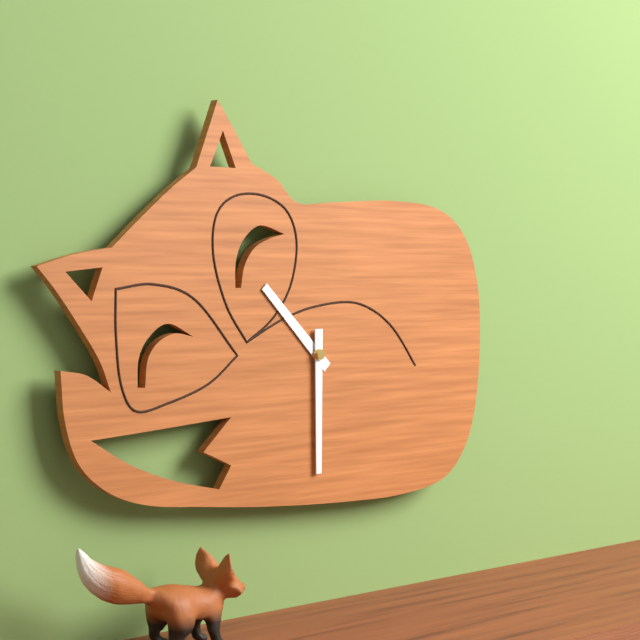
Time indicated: 10:30
